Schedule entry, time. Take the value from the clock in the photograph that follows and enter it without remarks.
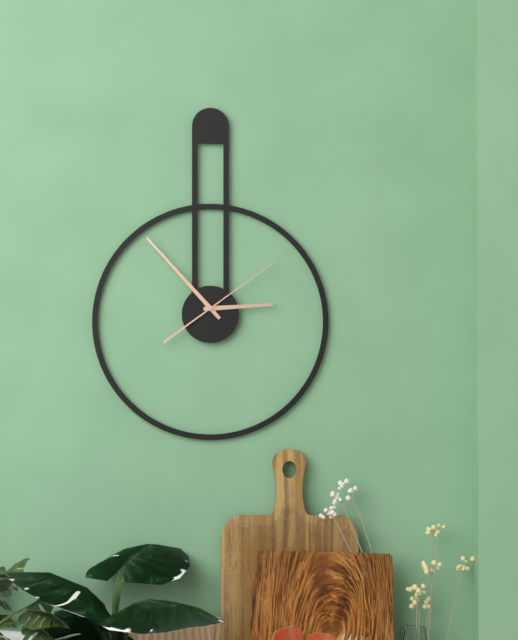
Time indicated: 2:53:09
